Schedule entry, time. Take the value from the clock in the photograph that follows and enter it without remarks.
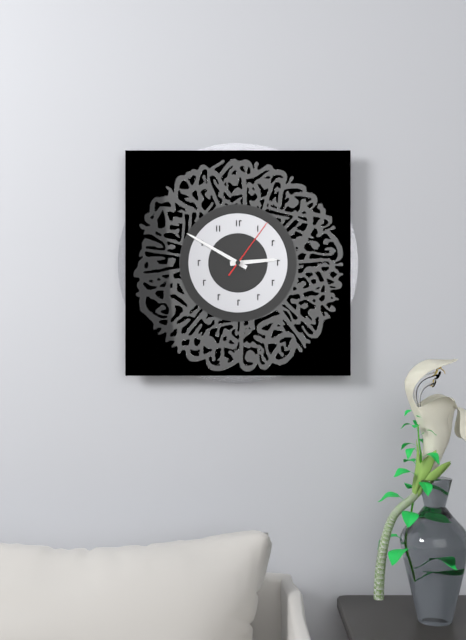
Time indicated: 2:50:06
